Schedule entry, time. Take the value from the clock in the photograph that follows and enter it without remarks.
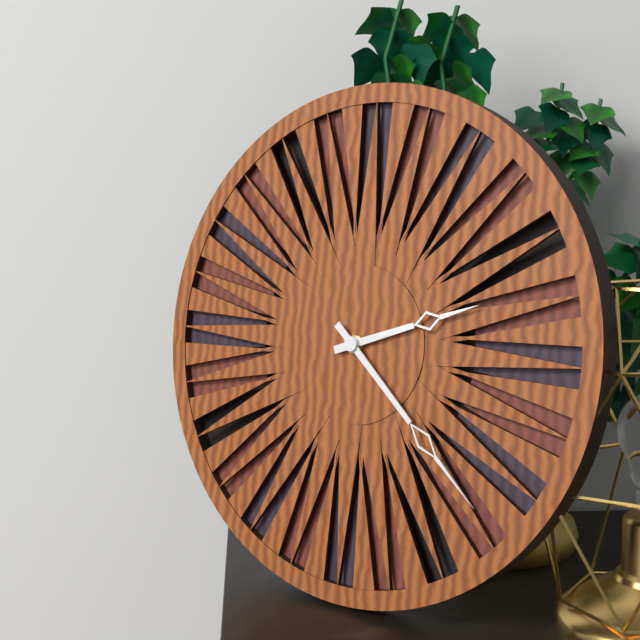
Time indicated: 2:22
